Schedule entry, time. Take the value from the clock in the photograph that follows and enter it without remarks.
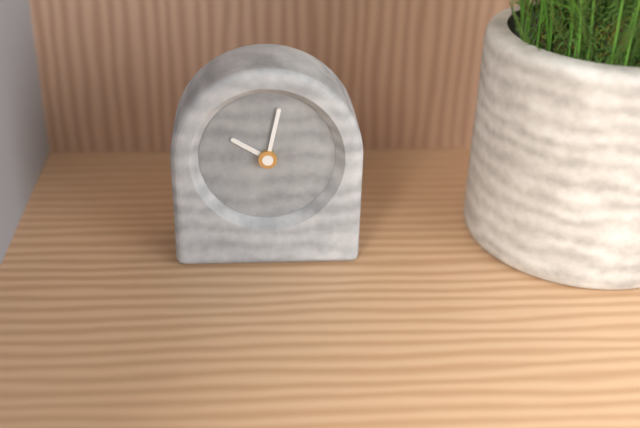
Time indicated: 10:02
